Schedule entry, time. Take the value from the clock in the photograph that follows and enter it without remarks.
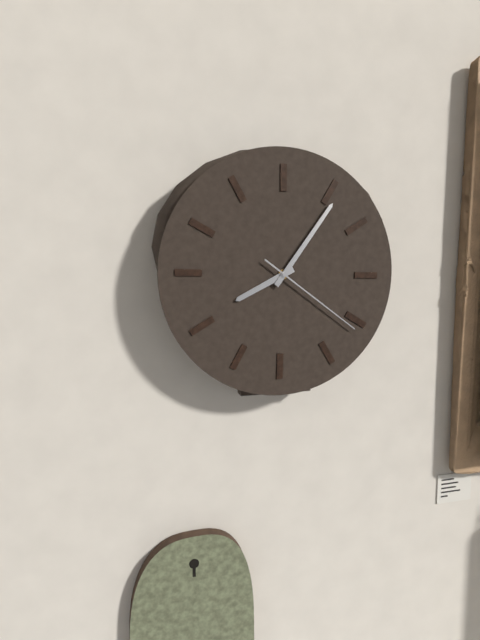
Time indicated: 8:06:21
